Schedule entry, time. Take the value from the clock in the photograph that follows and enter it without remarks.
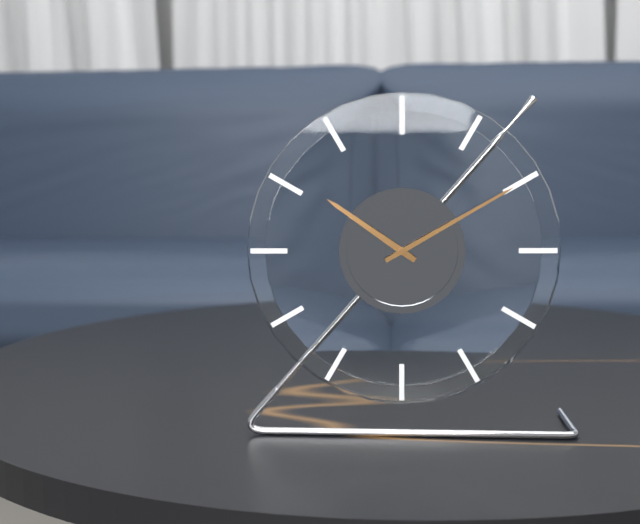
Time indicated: 10:10
